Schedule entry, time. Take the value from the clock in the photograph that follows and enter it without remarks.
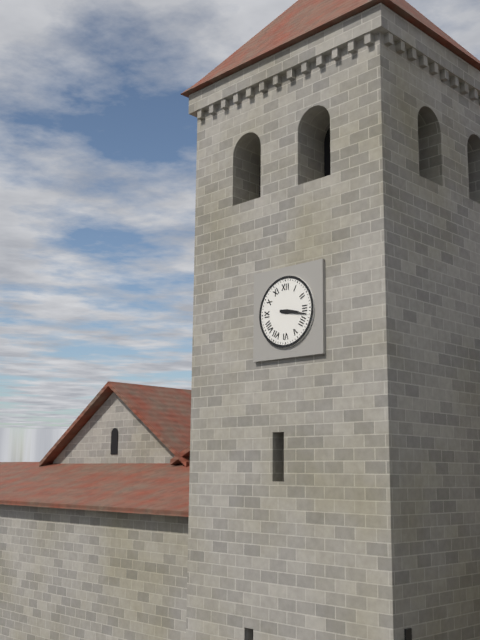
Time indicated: 3:17
